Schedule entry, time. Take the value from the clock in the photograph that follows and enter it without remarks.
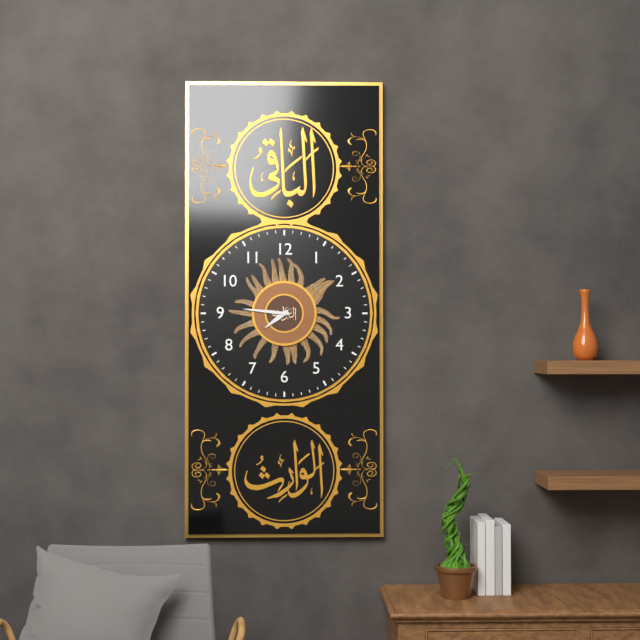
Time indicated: 7:46
